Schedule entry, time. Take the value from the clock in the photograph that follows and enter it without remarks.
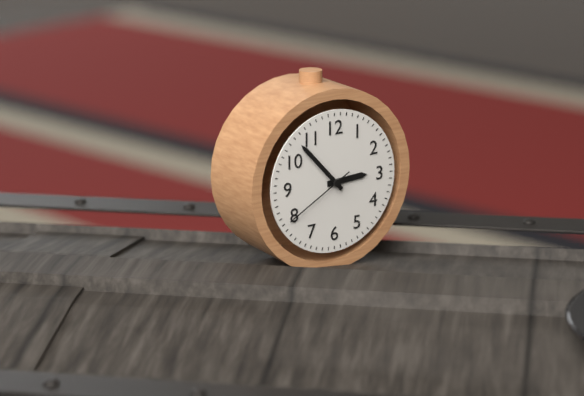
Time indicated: 2:53:40
